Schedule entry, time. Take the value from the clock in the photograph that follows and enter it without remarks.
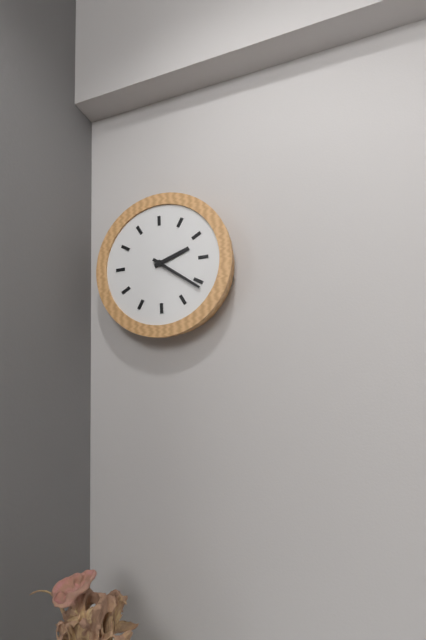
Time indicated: 2:21
